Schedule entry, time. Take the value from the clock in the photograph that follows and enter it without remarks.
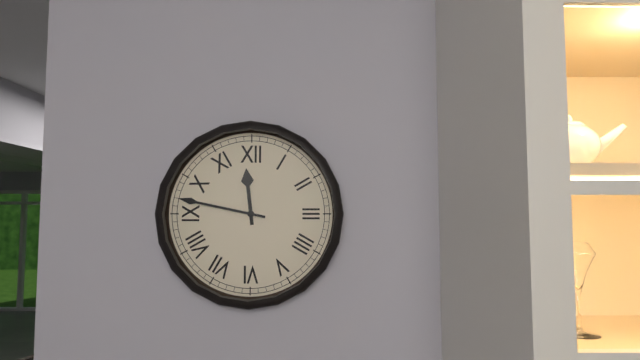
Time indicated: 11:47
